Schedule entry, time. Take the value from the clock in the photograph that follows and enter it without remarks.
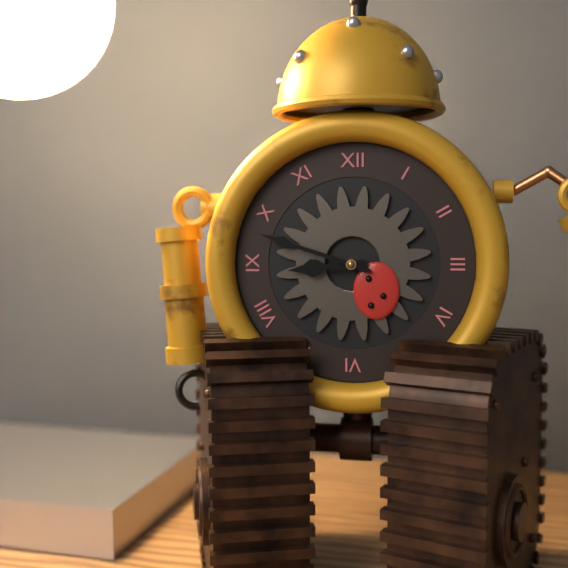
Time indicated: 8:48
